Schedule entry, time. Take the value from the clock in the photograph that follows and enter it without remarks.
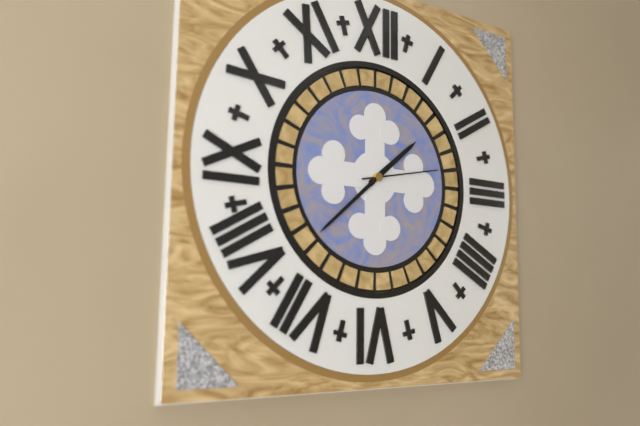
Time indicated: 1:38:13
